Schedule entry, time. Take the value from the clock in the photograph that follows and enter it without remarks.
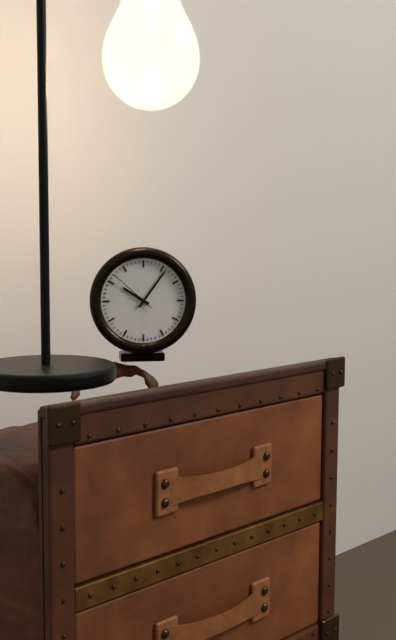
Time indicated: 10:06
